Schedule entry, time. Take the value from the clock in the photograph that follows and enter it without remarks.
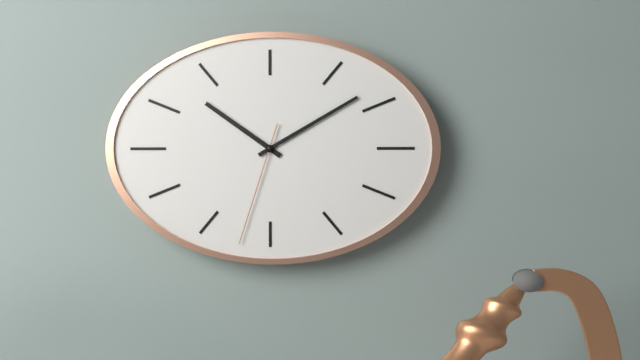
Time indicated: 10:10:33
